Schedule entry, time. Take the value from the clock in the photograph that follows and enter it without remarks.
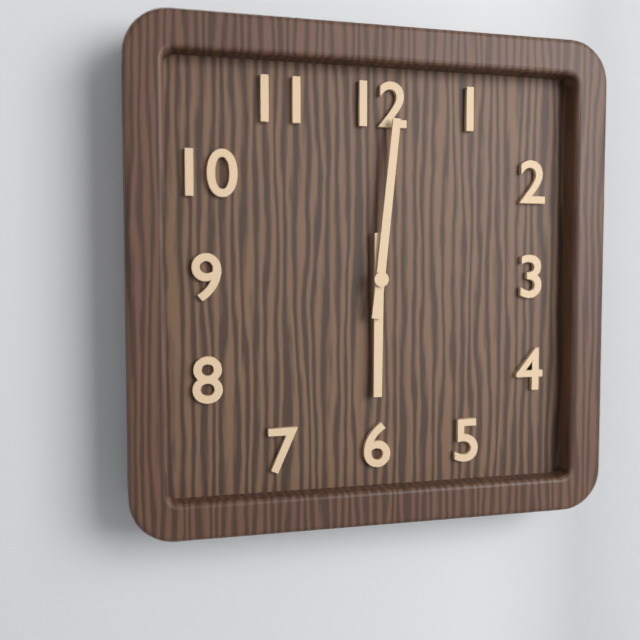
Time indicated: 6:01
